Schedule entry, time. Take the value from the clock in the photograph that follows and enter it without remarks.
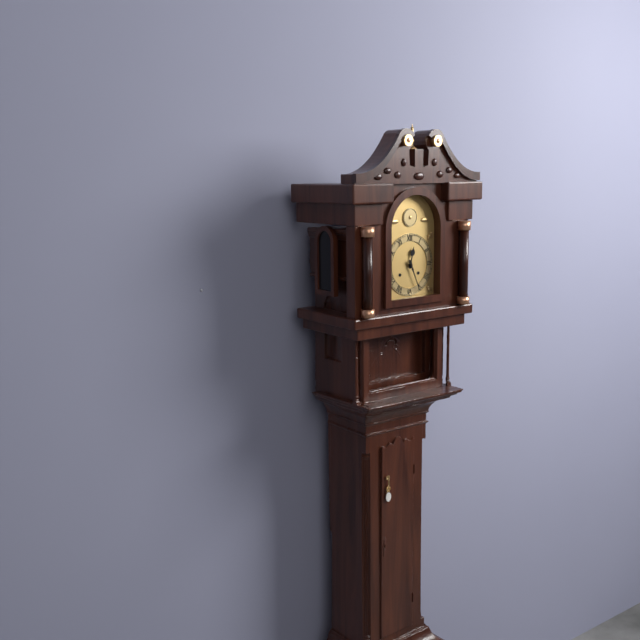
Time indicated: 12:26
